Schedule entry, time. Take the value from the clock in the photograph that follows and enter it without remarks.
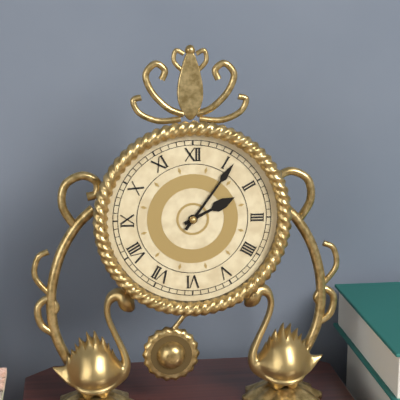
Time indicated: 2:06
